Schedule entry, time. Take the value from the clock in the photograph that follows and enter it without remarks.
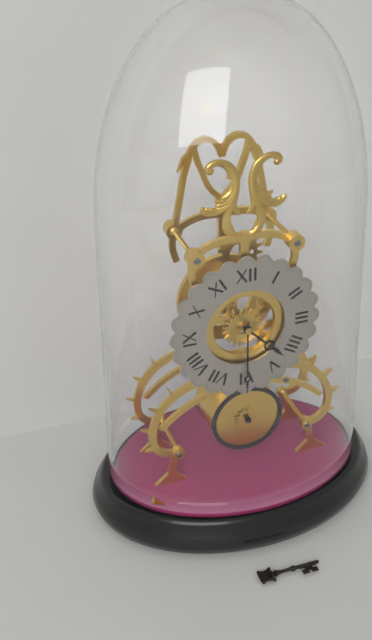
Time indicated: 4:30
